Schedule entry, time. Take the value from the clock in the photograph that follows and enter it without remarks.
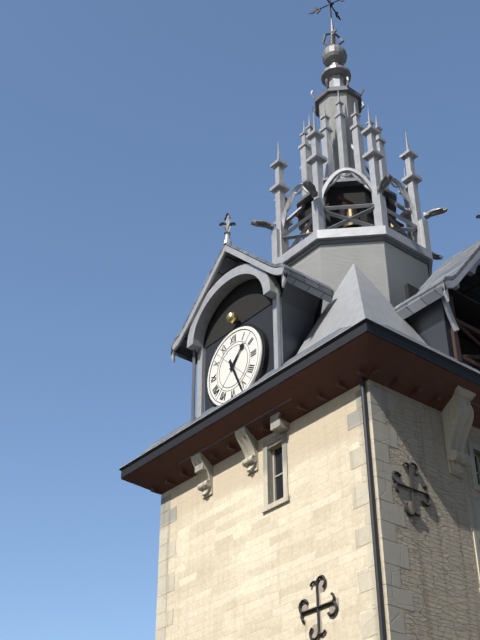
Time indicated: 1:26
